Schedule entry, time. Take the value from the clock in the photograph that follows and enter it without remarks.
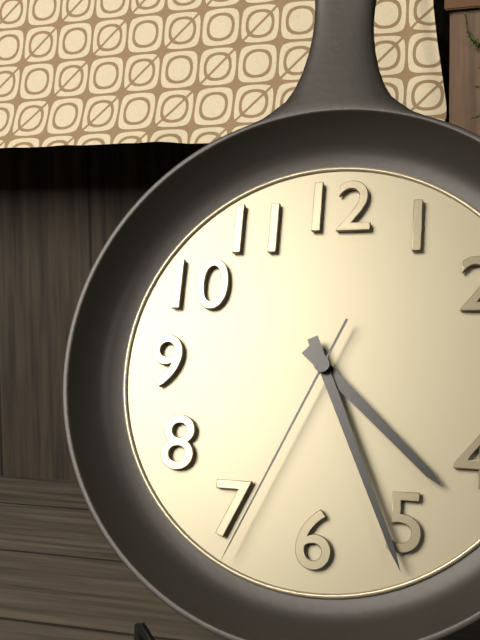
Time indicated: 4:26:34
